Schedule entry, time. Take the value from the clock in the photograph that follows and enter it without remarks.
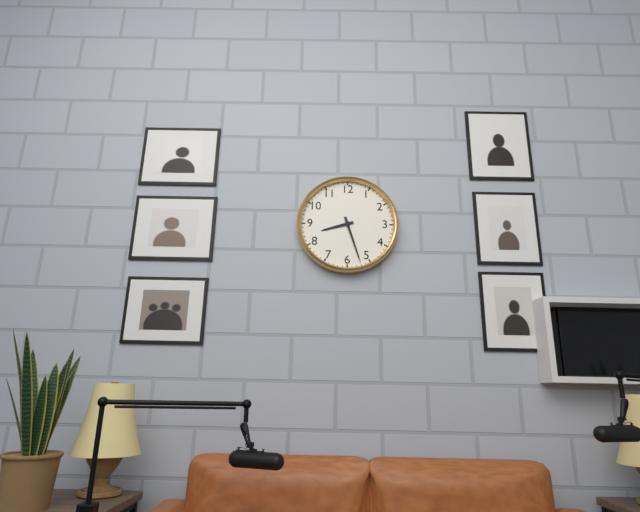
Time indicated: 8:27
